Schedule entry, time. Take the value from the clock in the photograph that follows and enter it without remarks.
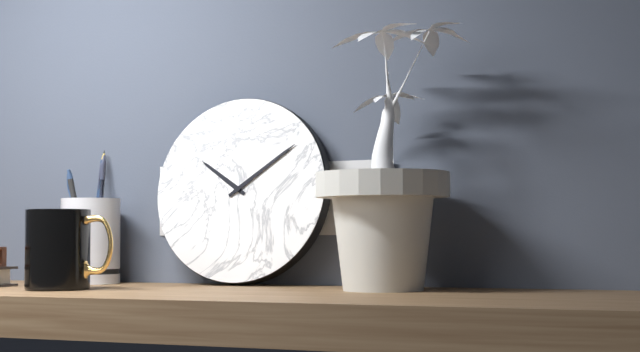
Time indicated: 10:09
